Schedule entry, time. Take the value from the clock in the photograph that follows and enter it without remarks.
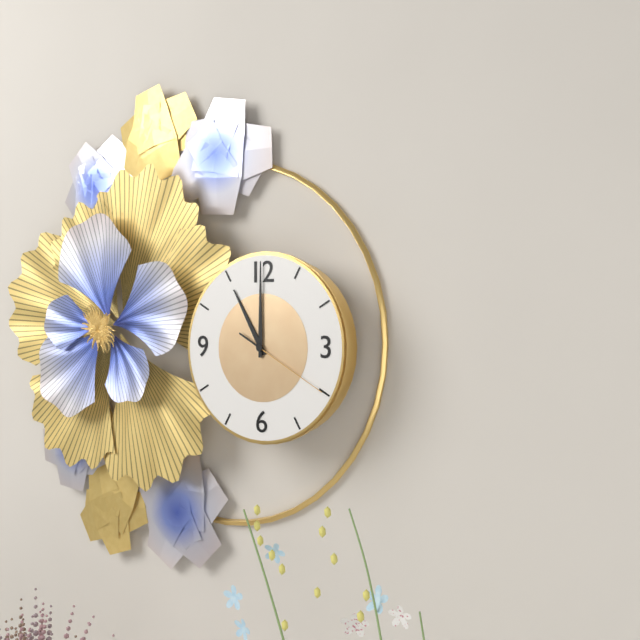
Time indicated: 11:00:20
